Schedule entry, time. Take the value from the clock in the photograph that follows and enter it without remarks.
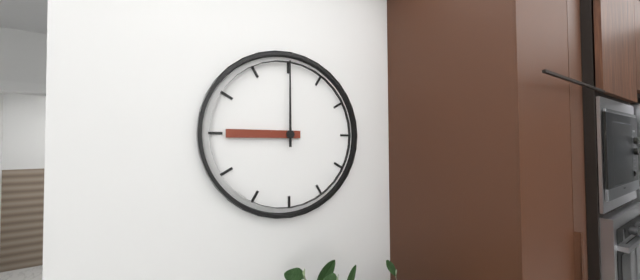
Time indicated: 9:00
